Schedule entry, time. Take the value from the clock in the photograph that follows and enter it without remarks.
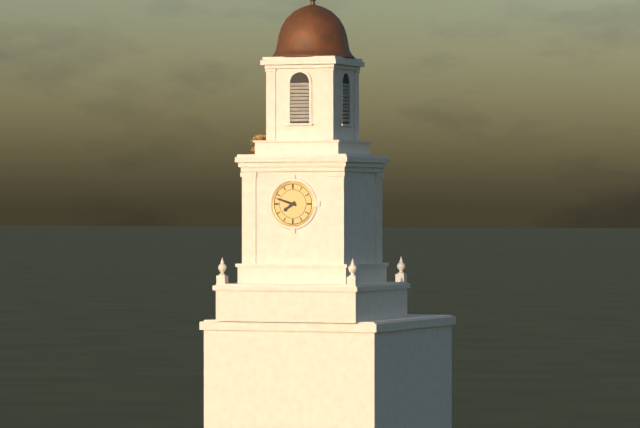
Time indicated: 7:48
